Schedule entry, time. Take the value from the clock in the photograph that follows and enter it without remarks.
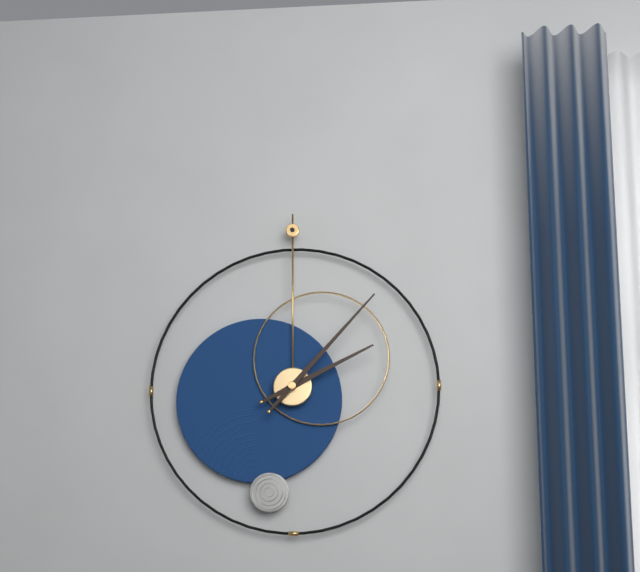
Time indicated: 2:07
